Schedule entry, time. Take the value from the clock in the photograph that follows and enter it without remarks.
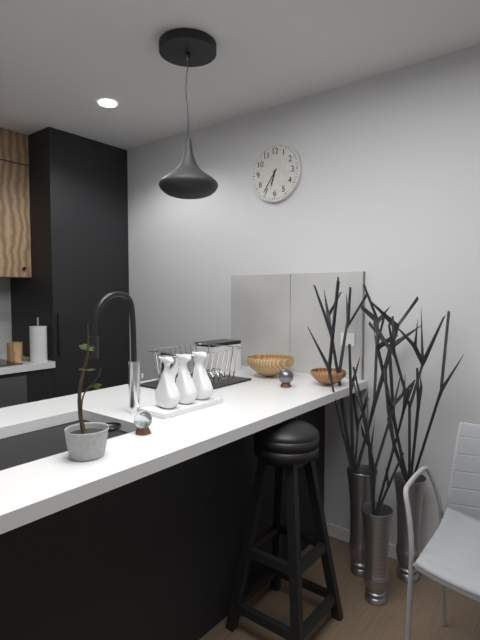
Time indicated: 6:36
